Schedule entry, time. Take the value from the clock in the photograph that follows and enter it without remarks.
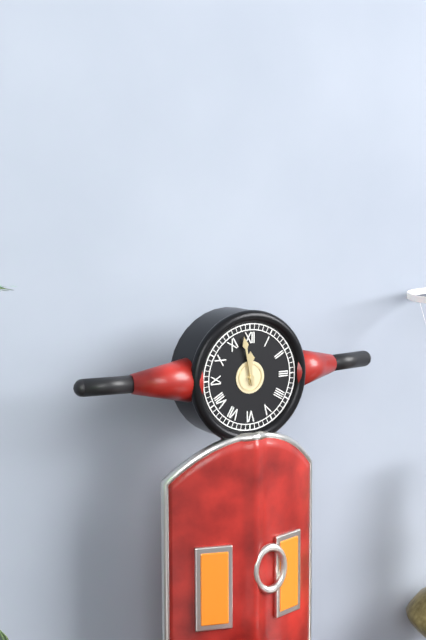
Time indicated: 11:58
